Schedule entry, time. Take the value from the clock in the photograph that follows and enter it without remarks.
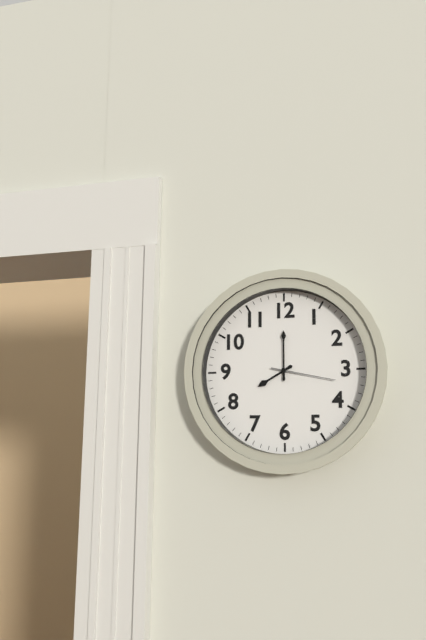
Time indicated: 8:00:17
